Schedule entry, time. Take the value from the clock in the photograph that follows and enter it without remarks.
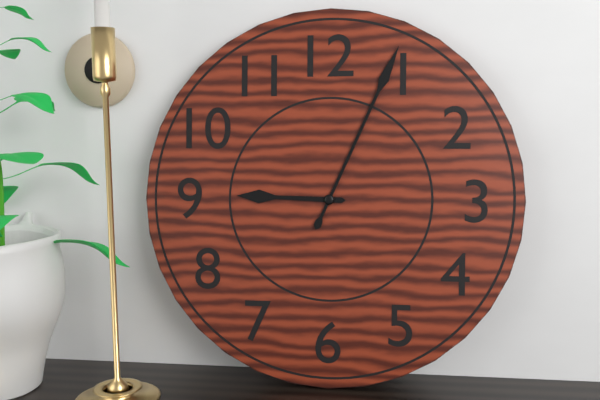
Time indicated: 9:04
